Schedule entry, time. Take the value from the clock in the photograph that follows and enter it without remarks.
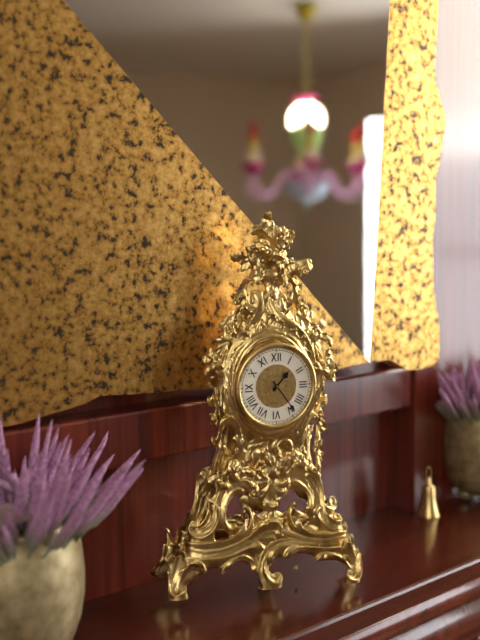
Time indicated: 1:24
